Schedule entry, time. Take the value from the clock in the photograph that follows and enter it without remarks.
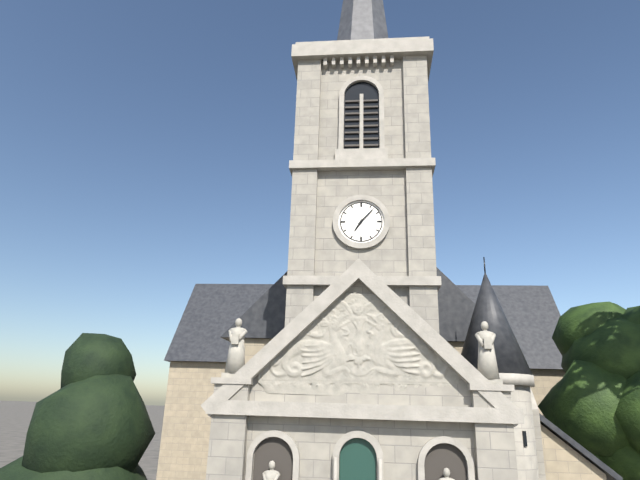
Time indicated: 7:07
